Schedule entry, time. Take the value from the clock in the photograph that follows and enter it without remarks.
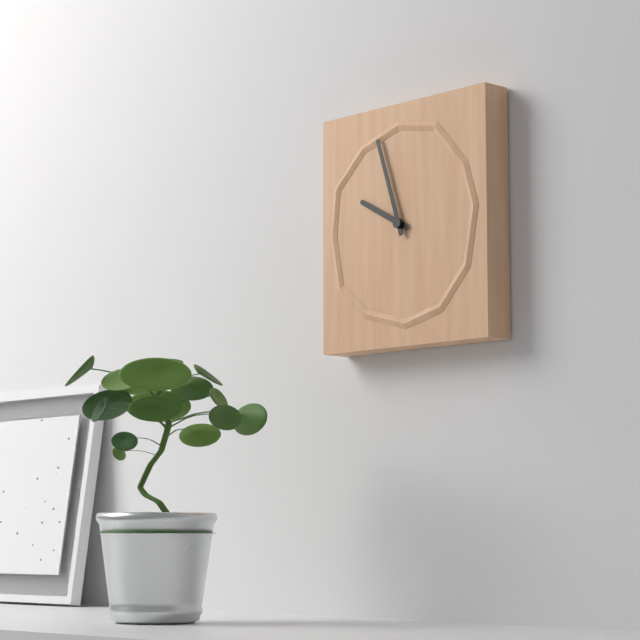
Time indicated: 9:57
